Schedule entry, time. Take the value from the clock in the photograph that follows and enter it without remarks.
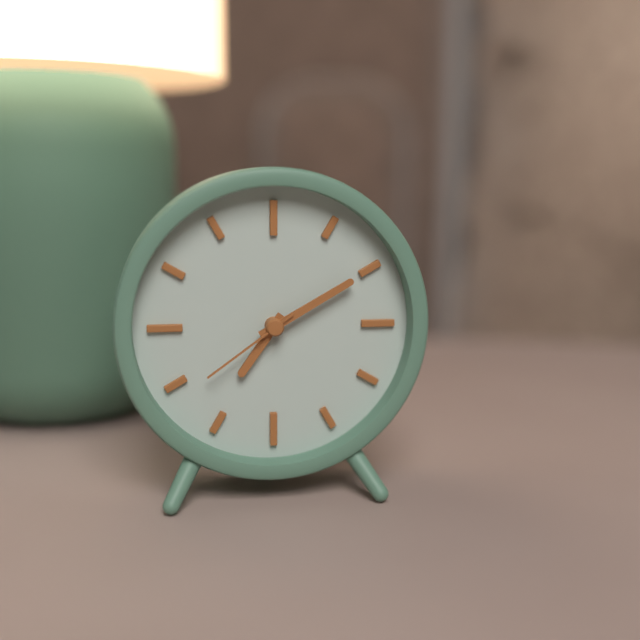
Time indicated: 7:10:39
